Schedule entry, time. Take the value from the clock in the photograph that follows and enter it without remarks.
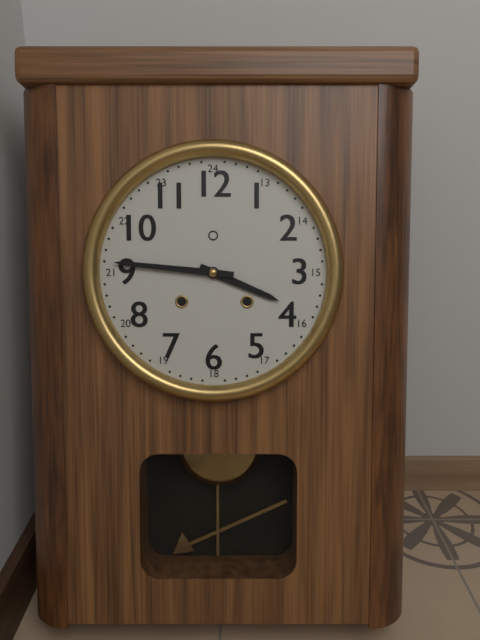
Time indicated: 3:46
